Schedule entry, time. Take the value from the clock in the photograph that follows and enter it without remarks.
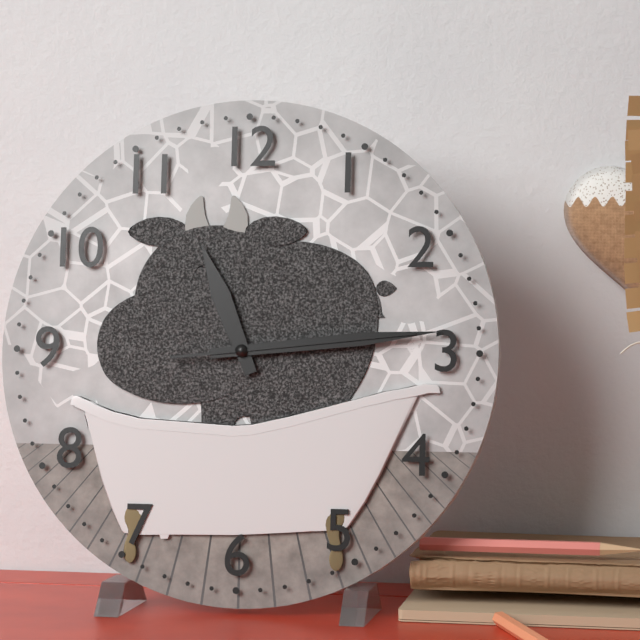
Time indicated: 11:14:14
